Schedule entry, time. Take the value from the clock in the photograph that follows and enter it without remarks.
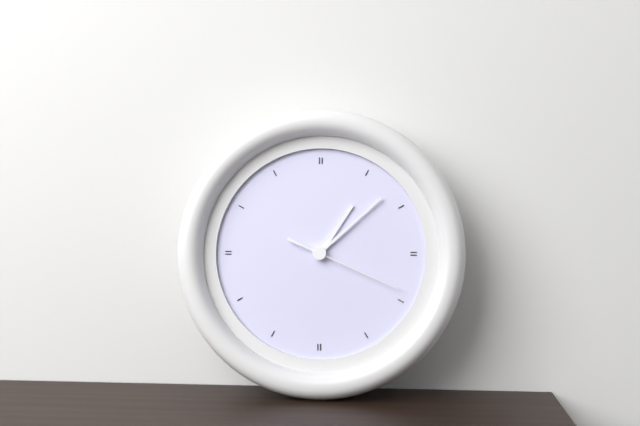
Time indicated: 1:08:19
